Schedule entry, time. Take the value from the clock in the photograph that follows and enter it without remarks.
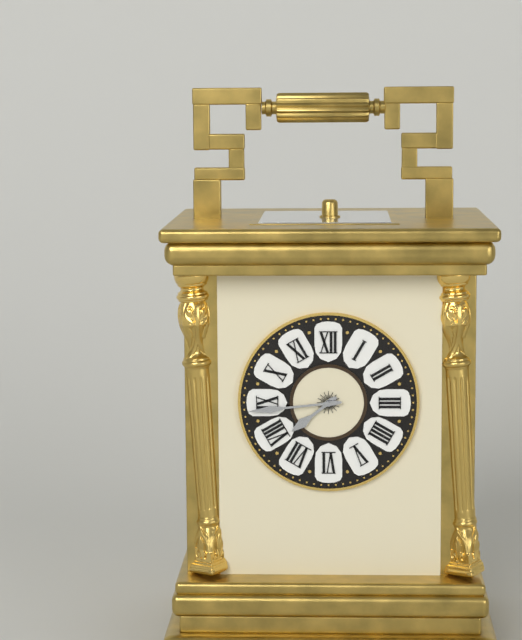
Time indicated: 7:44
